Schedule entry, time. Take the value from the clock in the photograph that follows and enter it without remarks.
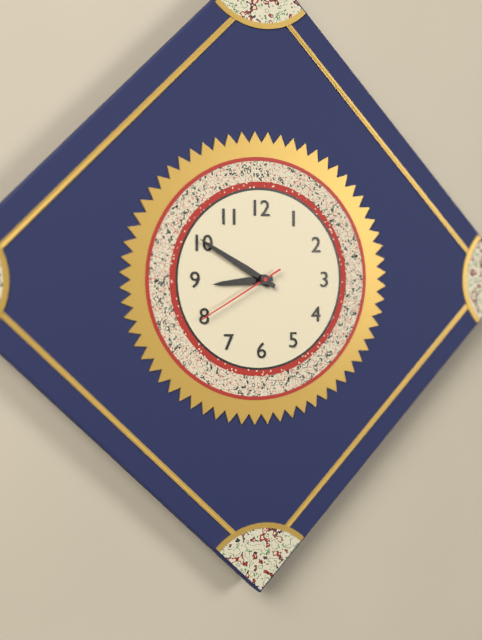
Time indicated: 8:50:40
